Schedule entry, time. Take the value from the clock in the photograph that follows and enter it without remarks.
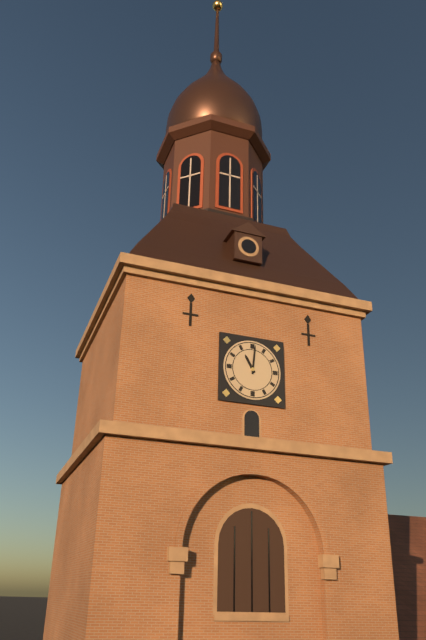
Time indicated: 11:01
